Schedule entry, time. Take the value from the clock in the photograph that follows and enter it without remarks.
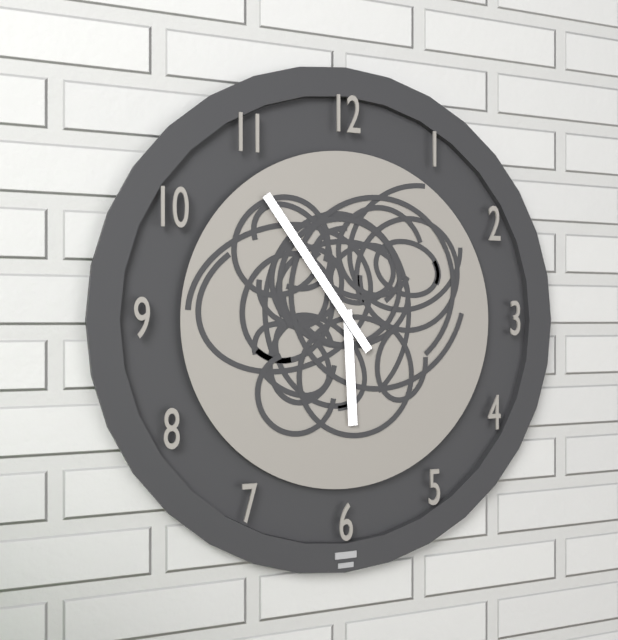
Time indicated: 5:54
